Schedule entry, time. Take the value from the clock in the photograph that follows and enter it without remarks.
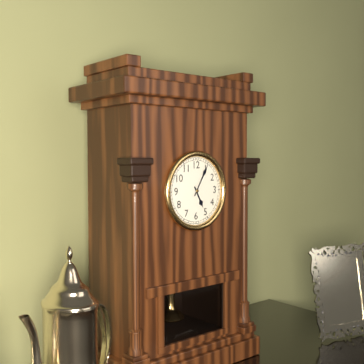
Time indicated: 5:05
